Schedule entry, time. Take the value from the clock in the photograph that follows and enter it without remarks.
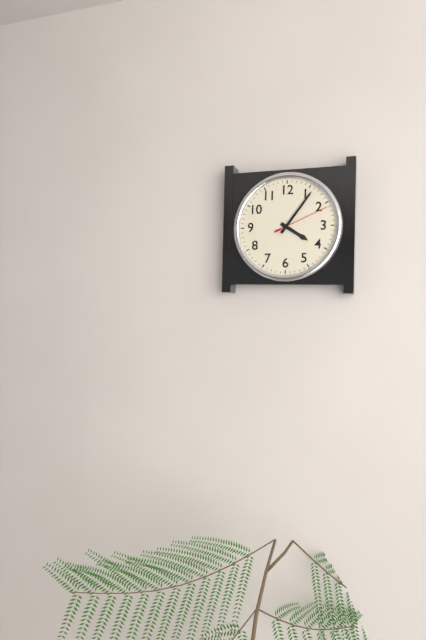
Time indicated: 4:06:11
